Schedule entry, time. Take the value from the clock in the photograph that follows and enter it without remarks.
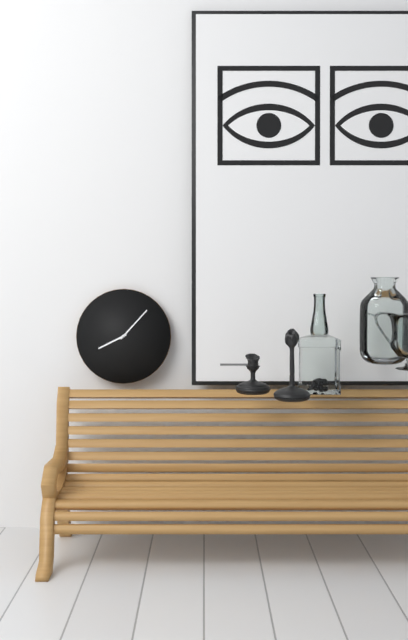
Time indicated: 8:07
